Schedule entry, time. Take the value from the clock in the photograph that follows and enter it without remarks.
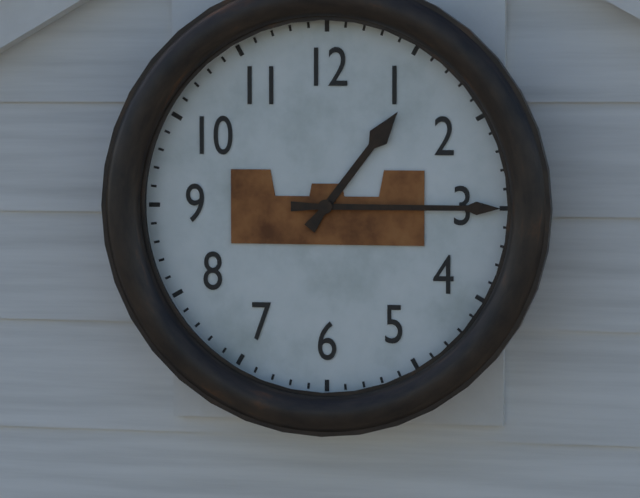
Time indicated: 1:15
